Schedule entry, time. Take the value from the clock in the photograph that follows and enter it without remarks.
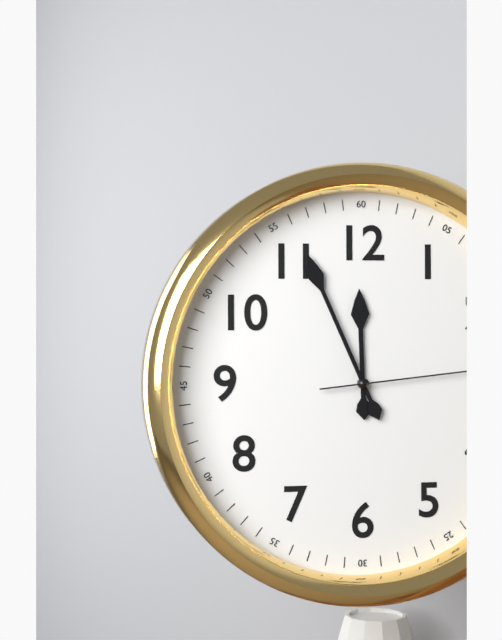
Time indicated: 11:56
